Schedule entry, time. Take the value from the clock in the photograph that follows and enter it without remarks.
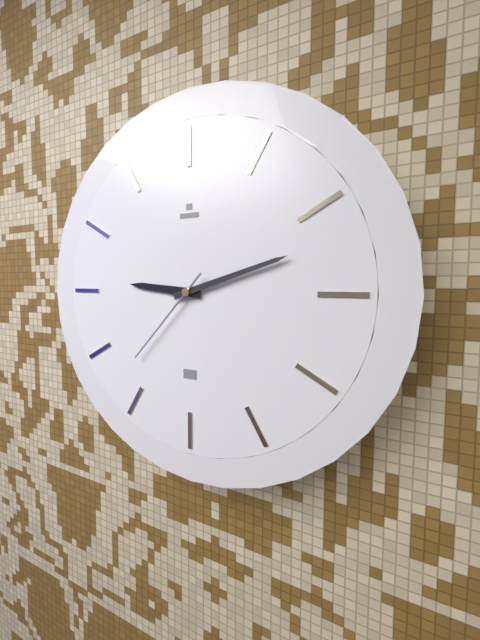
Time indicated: 9:12:37
